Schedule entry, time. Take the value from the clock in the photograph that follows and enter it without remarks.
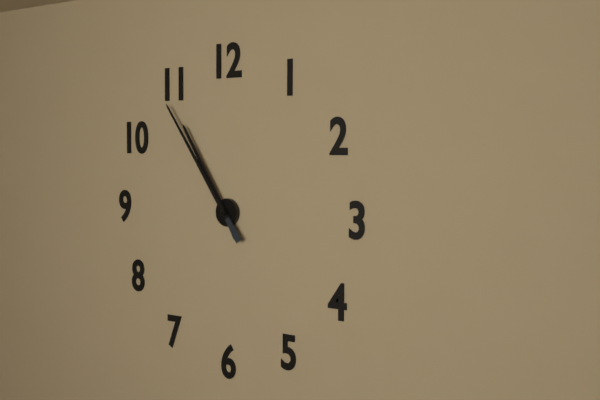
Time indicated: 10:54
